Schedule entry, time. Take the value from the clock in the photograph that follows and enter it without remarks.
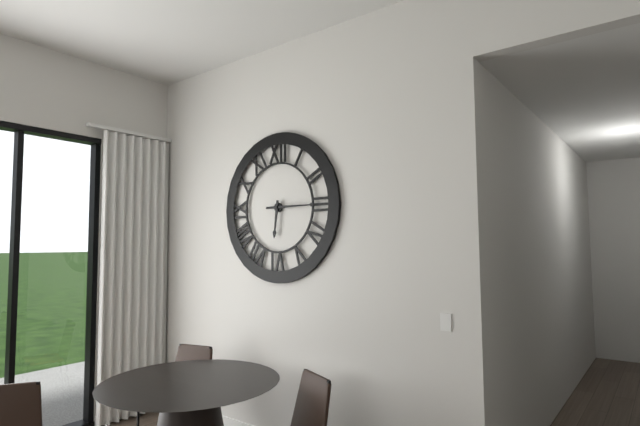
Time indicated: 6:15
